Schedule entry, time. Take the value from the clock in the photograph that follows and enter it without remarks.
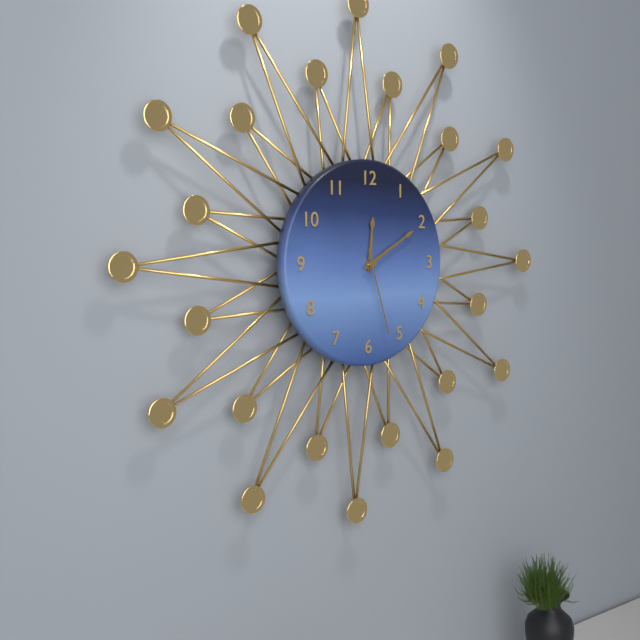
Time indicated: 12:10:27
